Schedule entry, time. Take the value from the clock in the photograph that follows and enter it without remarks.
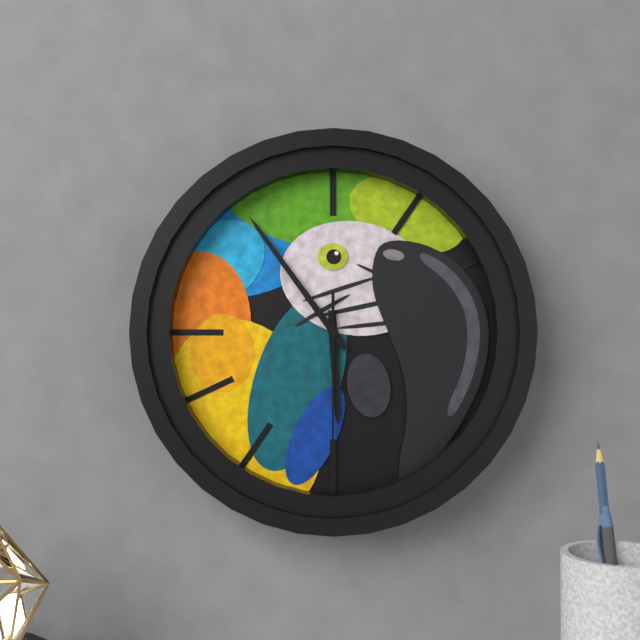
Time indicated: 5:54:30
